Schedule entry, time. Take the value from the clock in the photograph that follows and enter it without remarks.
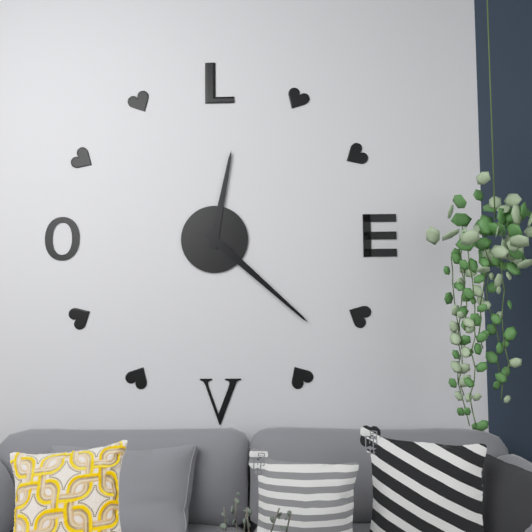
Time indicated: 12:22
